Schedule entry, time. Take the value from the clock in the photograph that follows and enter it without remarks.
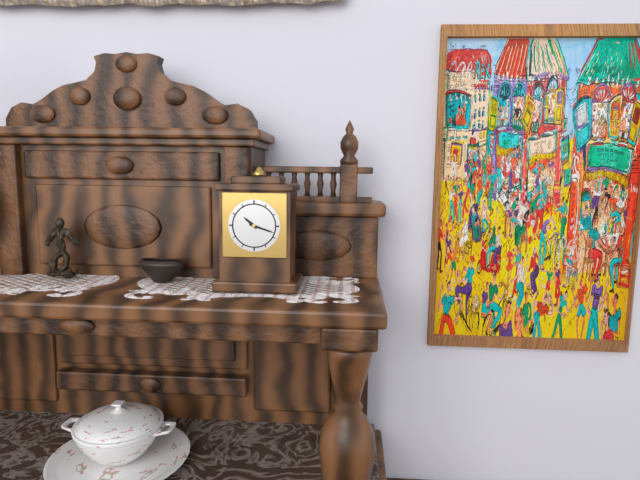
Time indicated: 10:18
